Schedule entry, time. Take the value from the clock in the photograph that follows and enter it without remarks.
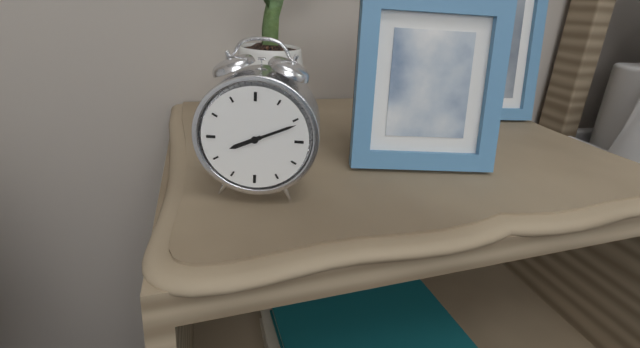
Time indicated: 8:11
